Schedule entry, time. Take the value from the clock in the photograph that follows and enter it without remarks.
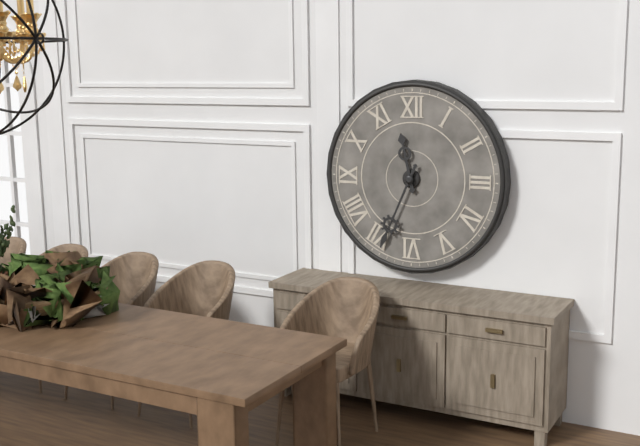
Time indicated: 11:34
